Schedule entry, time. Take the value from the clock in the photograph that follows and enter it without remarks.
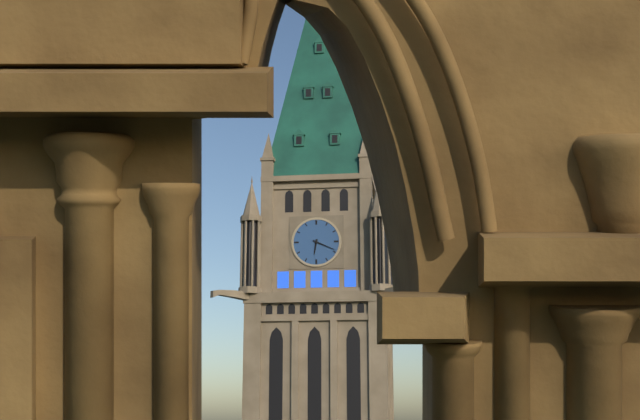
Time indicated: 6:19
